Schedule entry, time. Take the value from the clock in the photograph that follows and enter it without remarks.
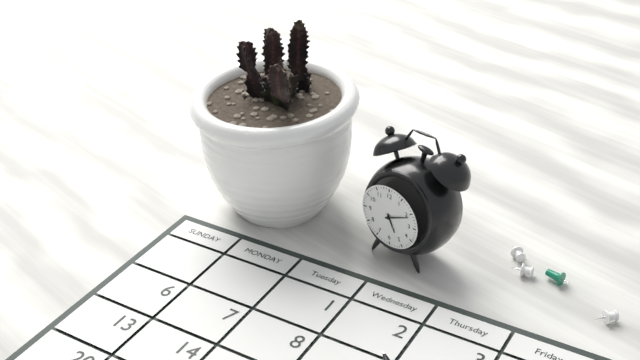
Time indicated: 5:11
